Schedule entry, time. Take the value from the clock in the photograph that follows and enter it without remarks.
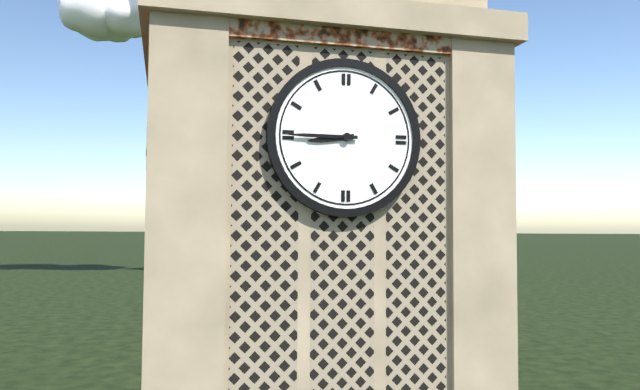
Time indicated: 8:45
